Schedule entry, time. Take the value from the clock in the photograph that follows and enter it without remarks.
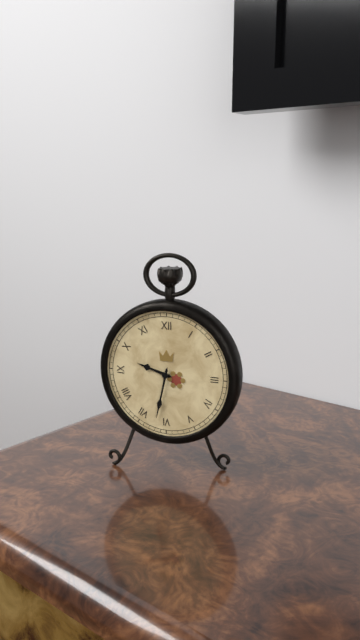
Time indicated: 9:32
